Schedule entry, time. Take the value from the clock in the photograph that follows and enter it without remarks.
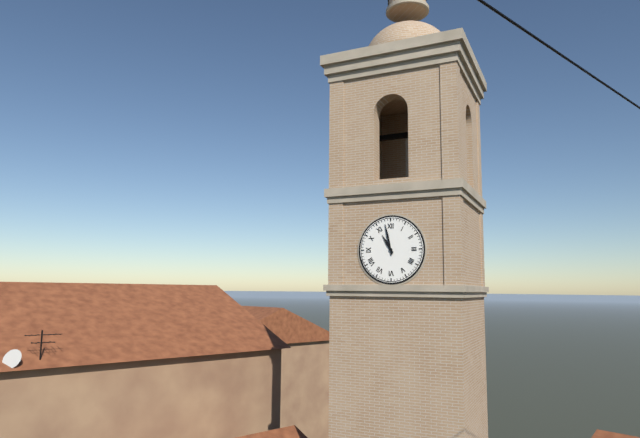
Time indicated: 10:58
